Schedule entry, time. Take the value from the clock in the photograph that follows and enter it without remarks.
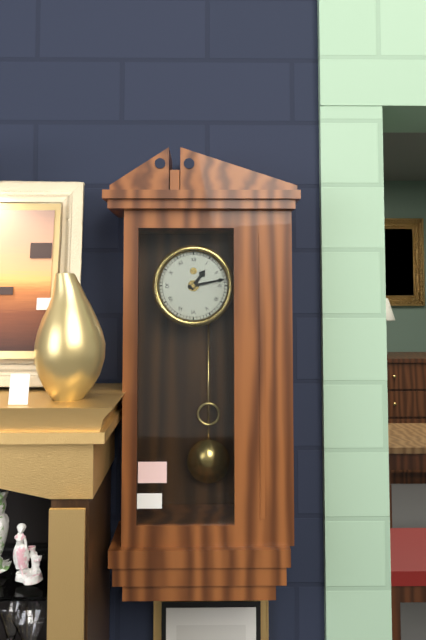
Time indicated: 1:13
